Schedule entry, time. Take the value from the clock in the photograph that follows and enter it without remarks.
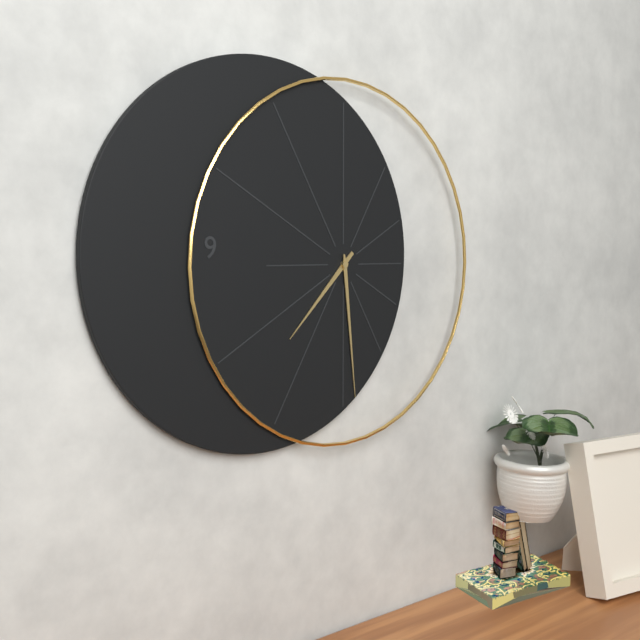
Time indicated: 7:29
